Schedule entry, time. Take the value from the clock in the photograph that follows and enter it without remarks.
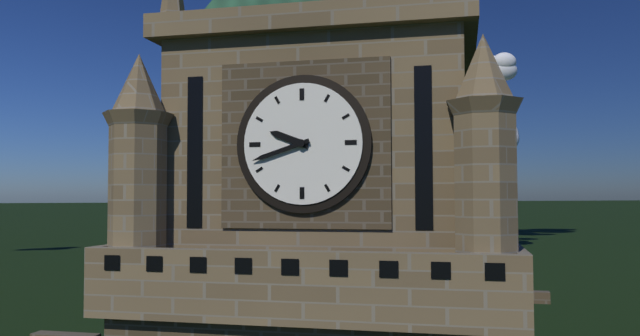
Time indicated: 9:42
